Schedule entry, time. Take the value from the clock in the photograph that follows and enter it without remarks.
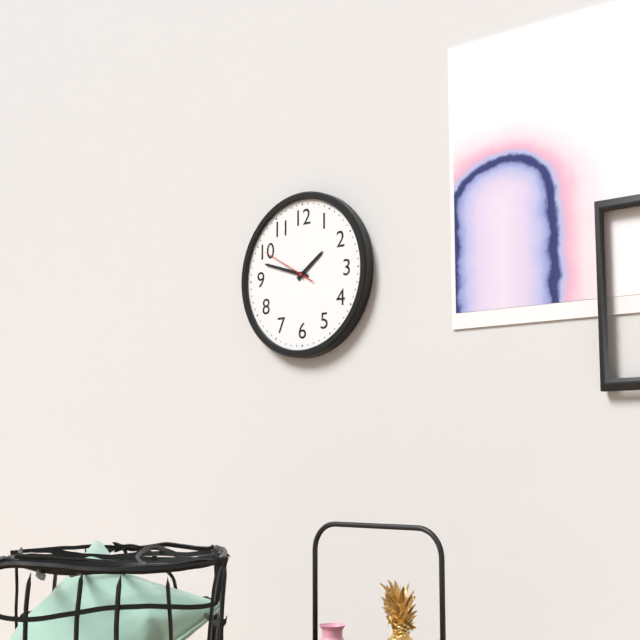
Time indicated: 1:48:50
